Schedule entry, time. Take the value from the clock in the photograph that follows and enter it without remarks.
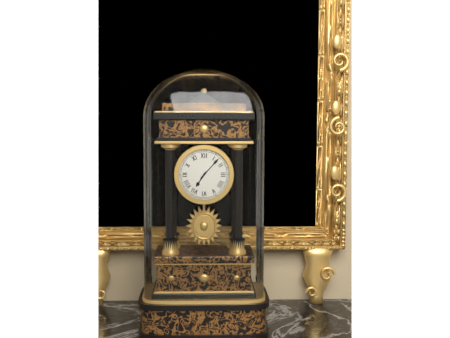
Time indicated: 7:07
